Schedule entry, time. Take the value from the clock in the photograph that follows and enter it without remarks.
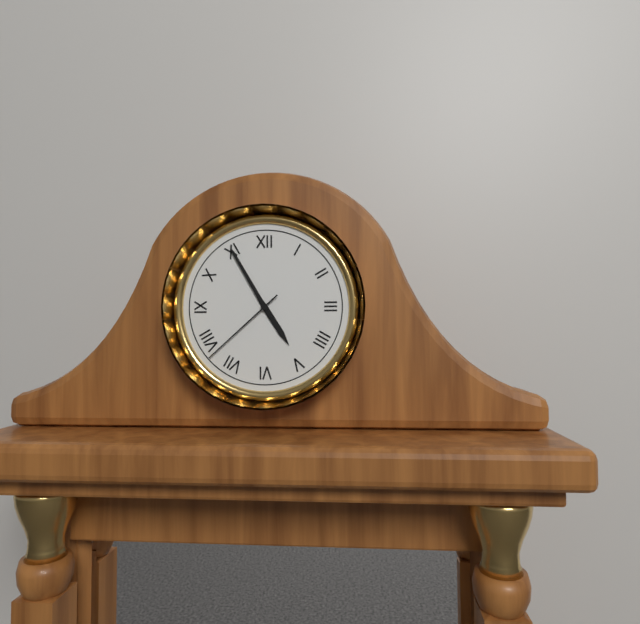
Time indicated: 4:55:38
